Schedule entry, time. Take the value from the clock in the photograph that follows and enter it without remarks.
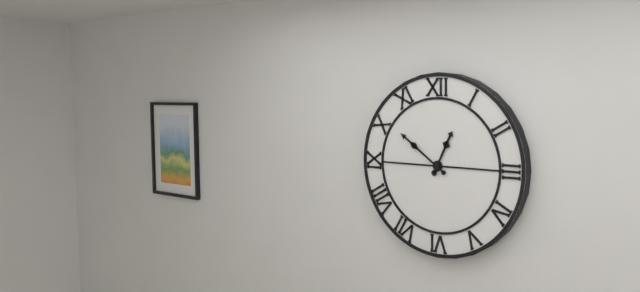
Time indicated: 12:51
